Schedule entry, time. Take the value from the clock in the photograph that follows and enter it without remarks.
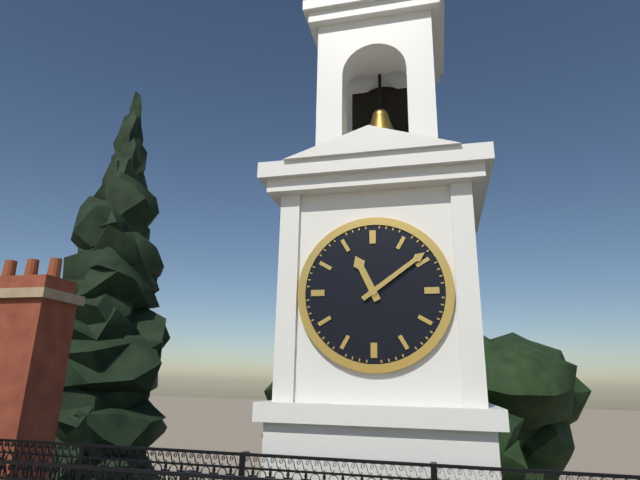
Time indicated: 11:09
